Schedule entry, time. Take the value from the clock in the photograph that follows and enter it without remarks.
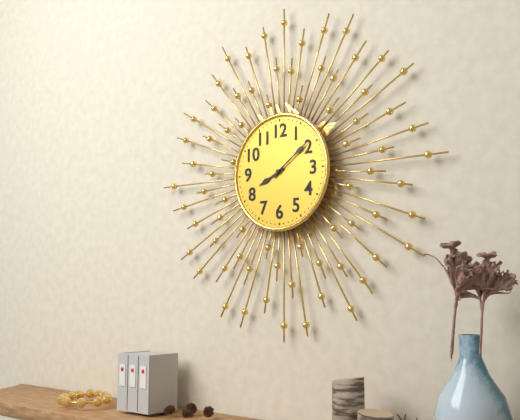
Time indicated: 8:09
